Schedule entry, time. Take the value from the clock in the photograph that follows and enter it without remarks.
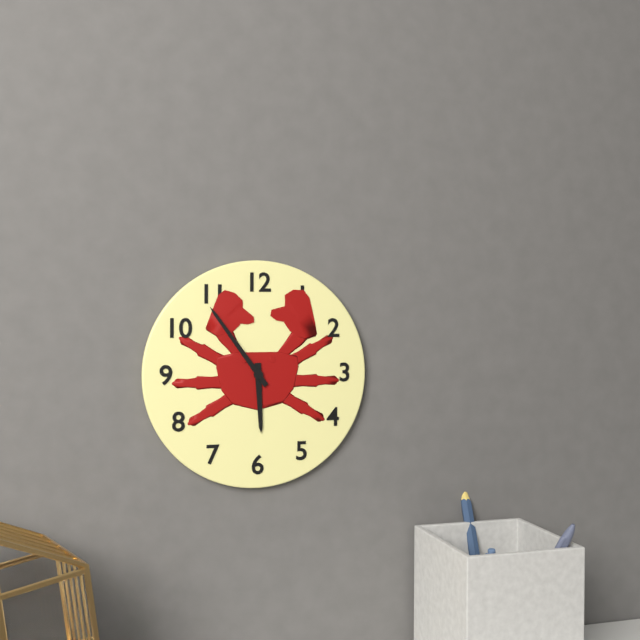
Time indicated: 5:54
